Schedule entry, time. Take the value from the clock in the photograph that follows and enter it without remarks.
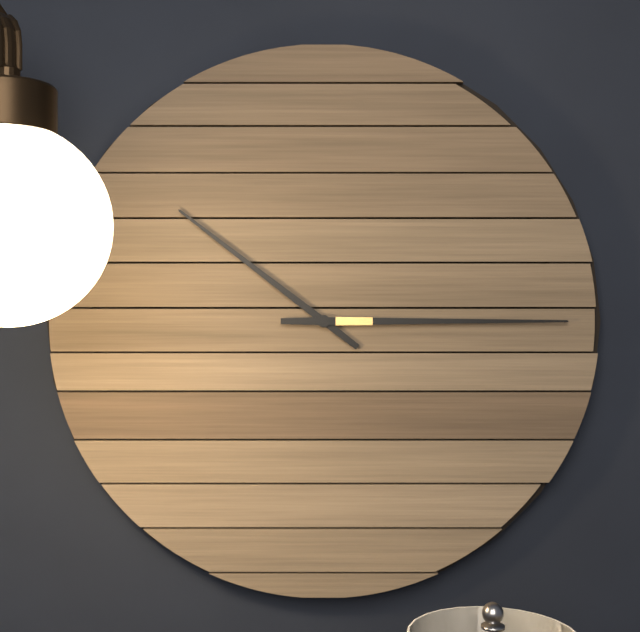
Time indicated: 10:15
